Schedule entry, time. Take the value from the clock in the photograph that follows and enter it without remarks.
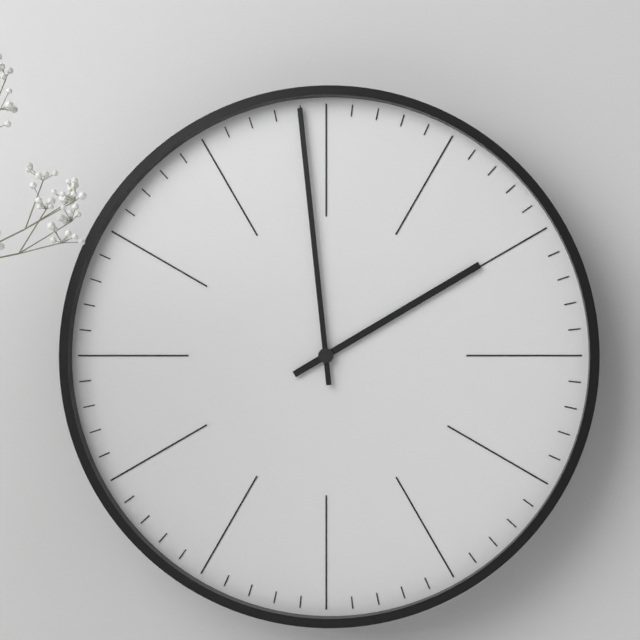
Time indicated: 1:59
